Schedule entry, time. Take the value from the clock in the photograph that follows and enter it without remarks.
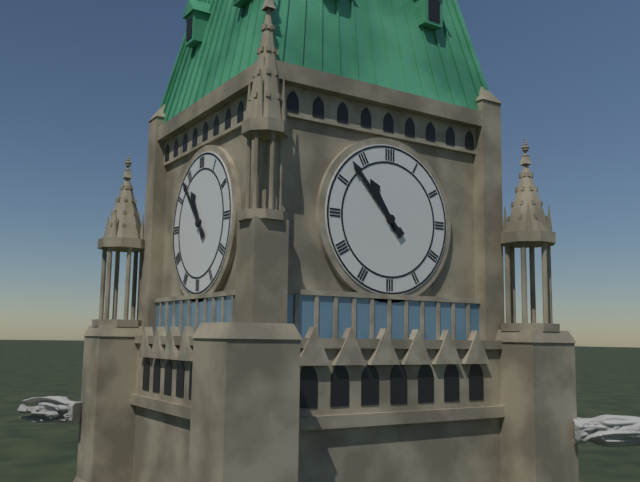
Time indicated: 10:53
